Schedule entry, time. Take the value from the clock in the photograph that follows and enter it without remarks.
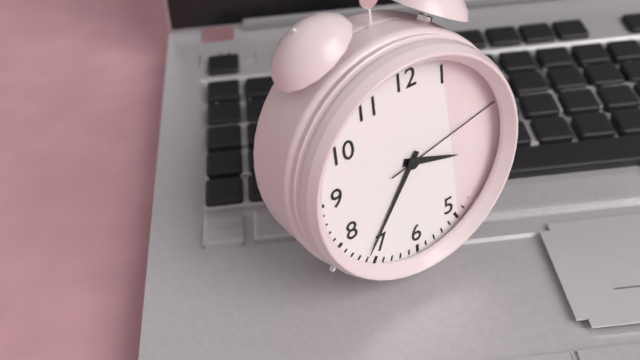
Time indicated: 3:36:13
